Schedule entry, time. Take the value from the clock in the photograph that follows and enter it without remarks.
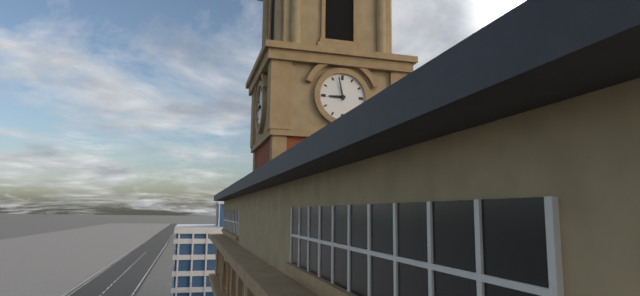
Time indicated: 8:58
